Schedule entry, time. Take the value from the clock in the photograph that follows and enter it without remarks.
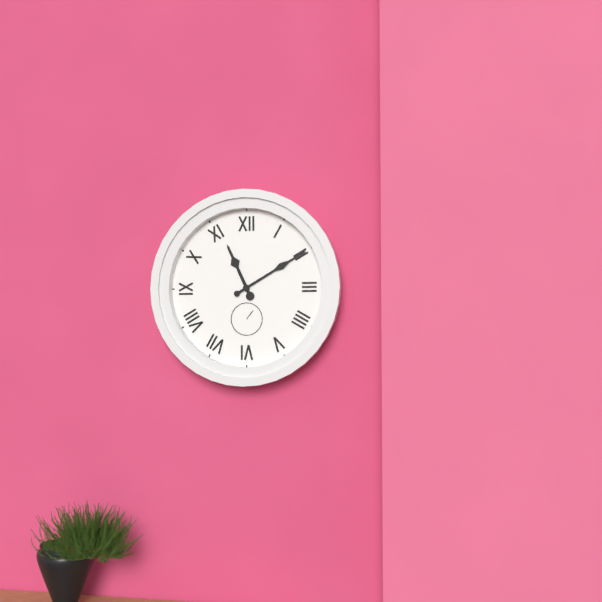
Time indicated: 11:10
